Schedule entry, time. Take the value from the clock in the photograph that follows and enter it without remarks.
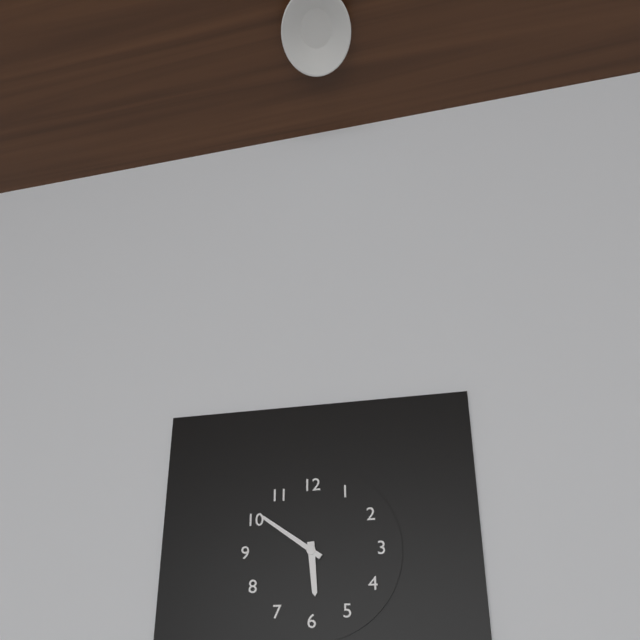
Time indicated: 5:51
